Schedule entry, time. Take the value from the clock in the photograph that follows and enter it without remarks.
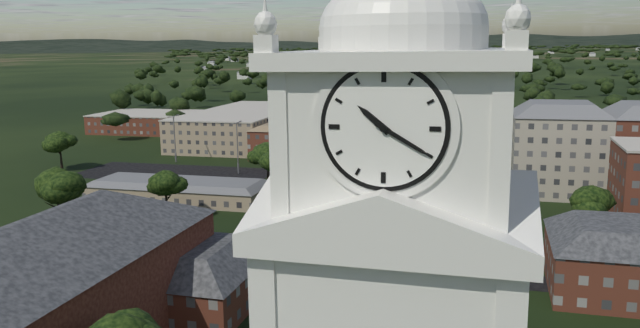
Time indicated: 10:20
